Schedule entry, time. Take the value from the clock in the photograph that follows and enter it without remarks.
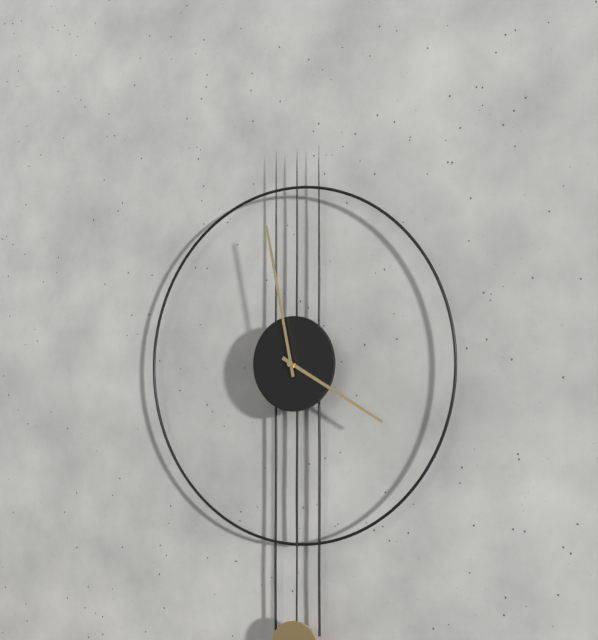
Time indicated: 3:58
